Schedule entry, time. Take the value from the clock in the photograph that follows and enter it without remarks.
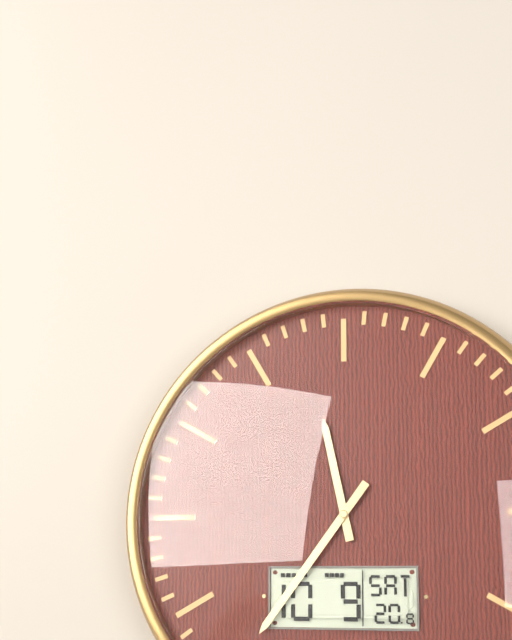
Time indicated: 11:36
